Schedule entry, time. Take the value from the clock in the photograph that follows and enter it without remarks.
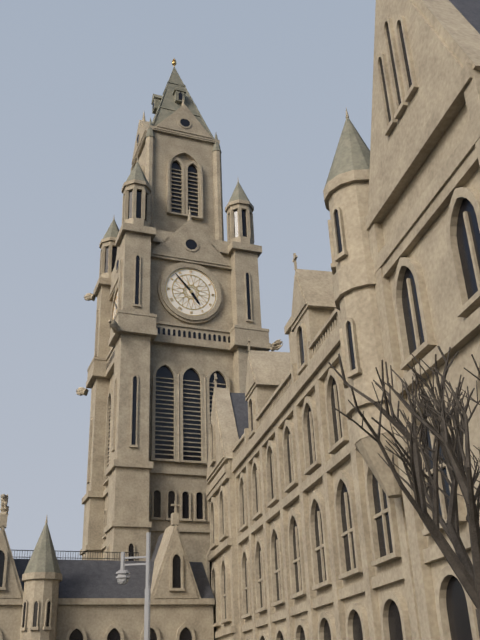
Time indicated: 4:53
